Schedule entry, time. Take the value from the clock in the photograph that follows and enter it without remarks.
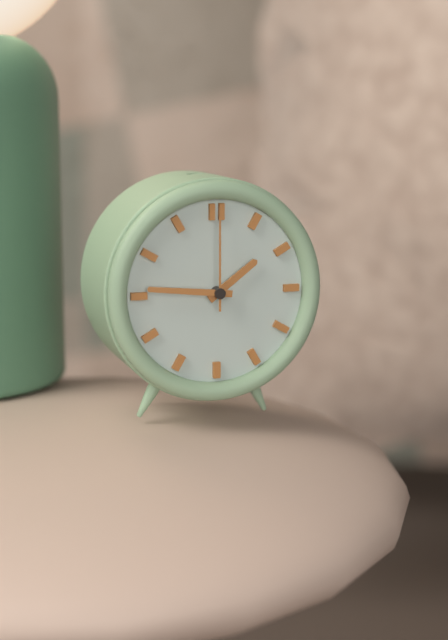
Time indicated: 1:46:00
